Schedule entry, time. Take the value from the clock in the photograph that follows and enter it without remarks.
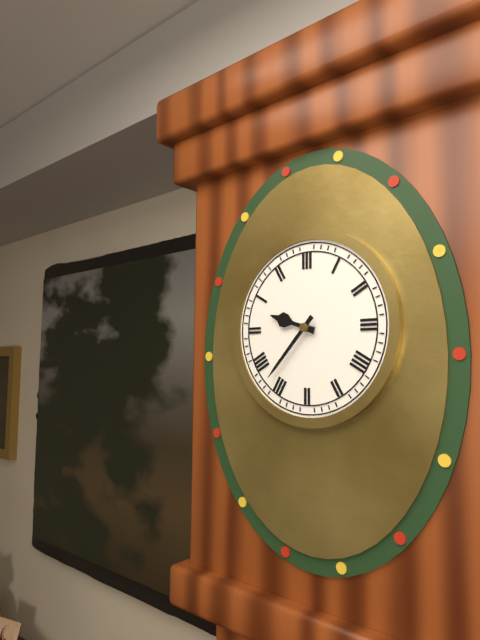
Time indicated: 9:37
